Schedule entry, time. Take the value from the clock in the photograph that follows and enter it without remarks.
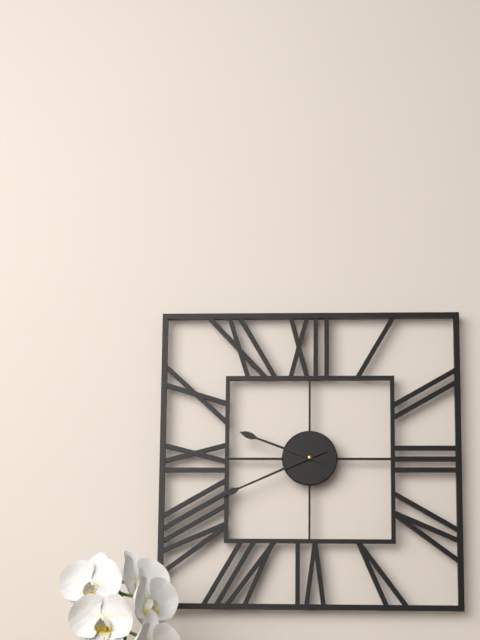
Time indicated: 9:41
